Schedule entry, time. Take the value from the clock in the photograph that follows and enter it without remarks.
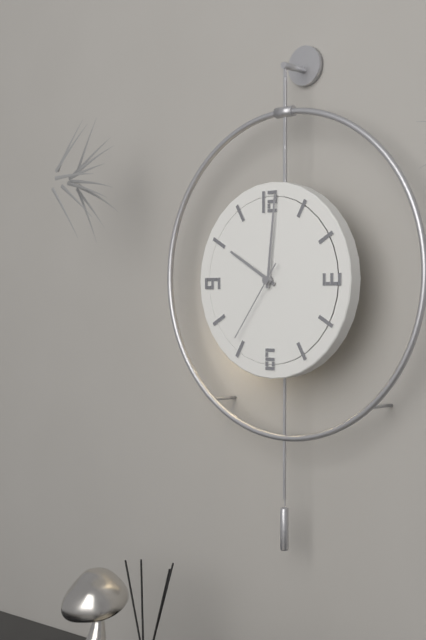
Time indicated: 10:01:36
